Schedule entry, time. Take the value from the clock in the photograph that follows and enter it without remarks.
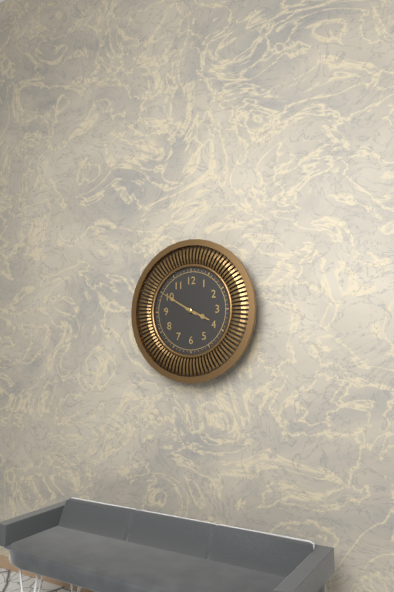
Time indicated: 3:50
